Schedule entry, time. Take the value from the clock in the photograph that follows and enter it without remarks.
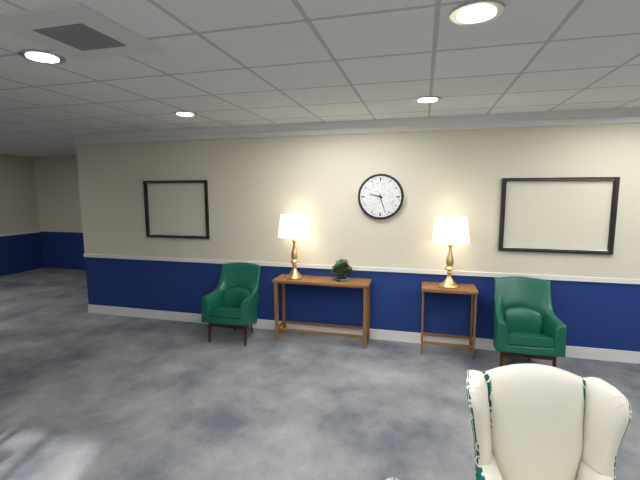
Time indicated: 9:27
